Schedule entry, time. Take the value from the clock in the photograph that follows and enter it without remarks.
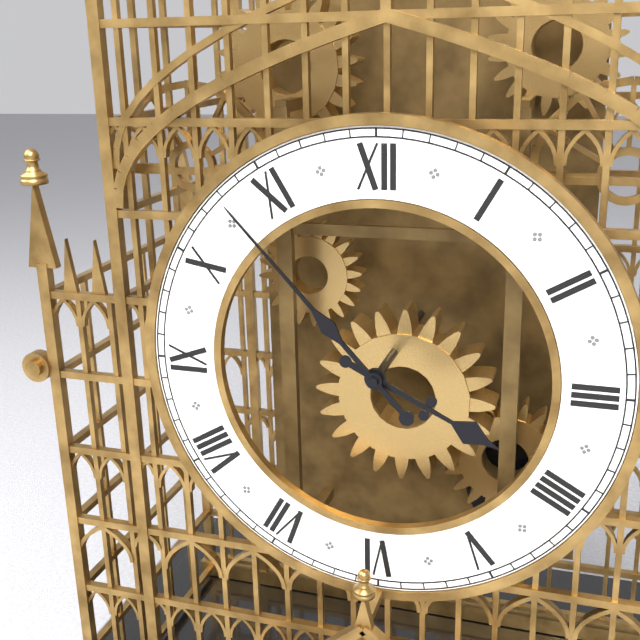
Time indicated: 3:53
